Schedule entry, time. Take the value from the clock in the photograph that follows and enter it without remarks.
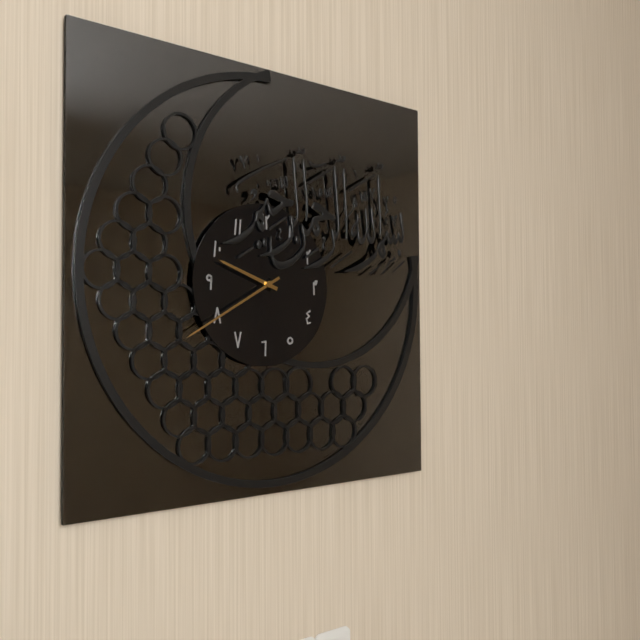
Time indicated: 9:40
